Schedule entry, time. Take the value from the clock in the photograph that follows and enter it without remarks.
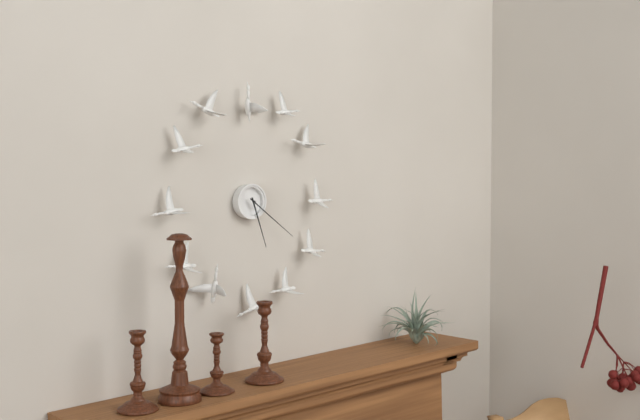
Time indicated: 5:21
